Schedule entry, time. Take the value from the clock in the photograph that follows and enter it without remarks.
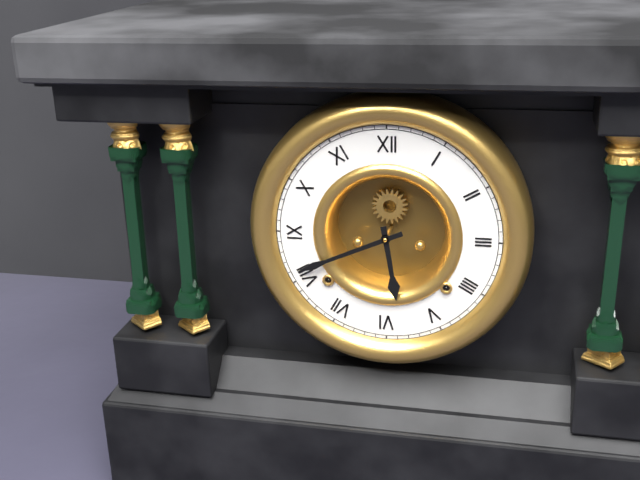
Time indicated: 5:41
